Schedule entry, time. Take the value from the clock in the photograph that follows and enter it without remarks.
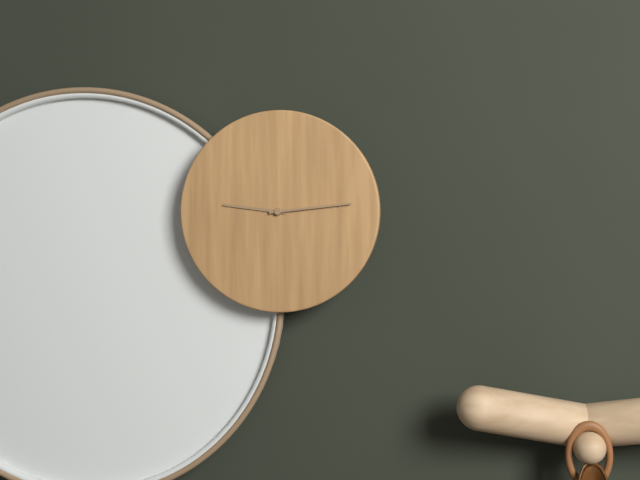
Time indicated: 9:14
